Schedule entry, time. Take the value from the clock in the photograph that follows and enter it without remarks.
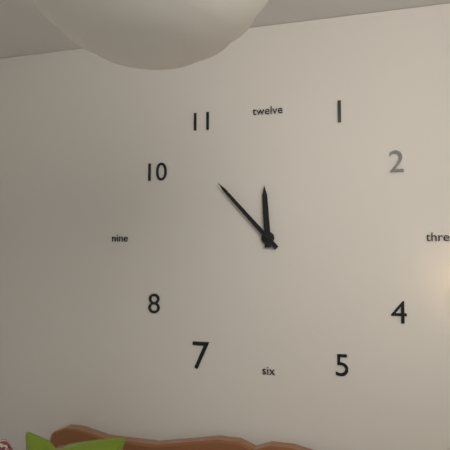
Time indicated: 11:53
